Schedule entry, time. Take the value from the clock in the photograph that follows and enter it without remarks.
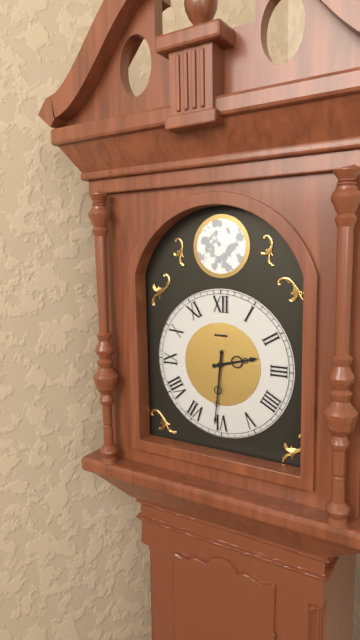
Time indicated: 2:31
